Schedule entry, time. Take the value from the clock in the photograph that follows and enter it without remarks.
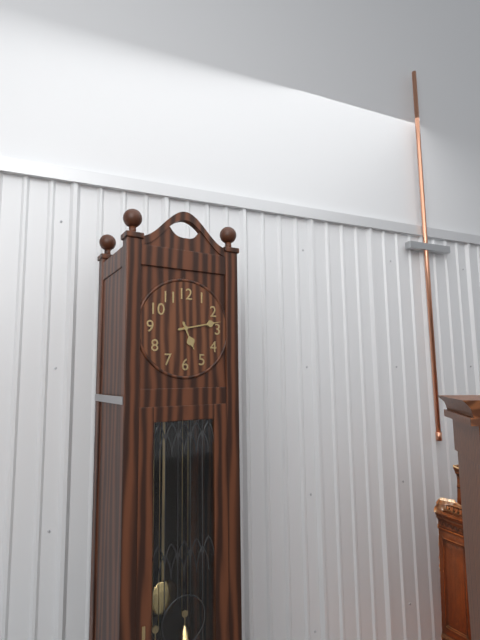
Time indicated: 5:13
